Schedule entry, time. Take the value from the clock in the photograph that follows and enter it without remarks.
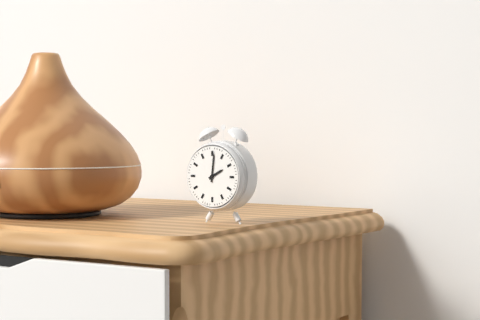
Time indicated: 2:01
